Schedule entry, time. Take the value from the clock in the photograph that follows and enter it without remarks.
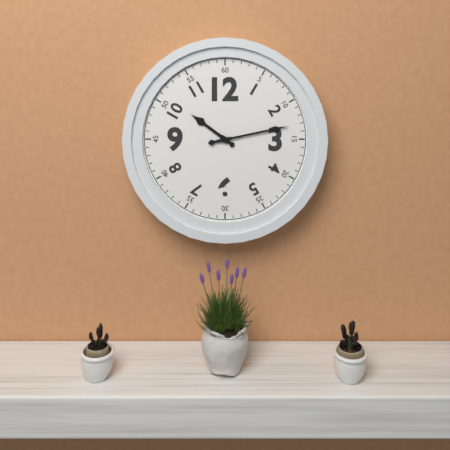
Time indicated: 10:13
